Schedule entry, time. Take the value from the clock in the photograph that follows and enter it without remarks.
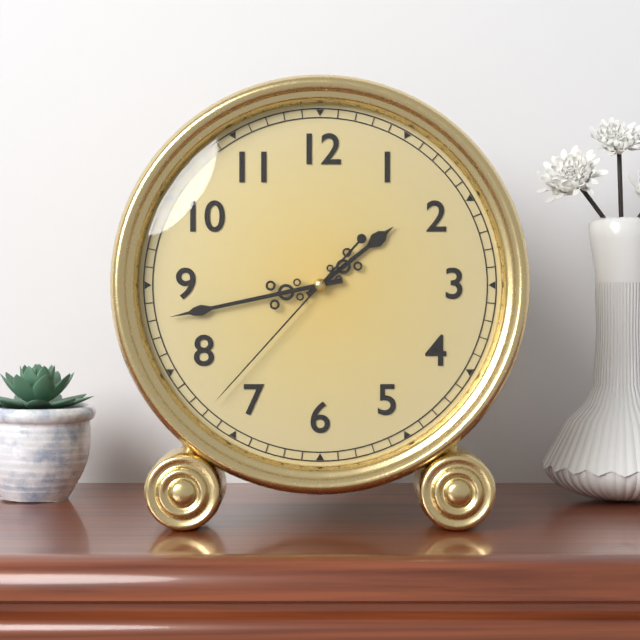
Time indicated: 1:43:37
